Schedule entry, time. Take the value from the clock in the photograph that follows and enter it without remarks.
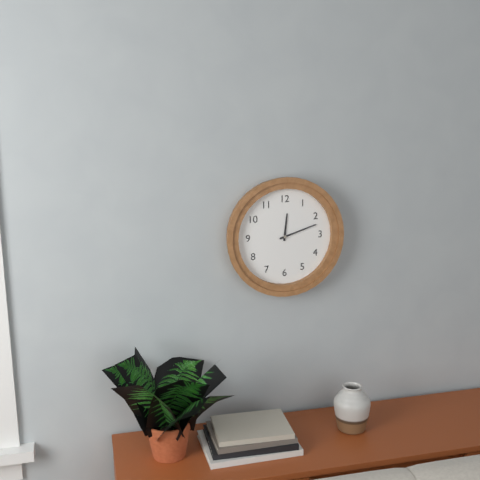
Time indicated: 12:12
